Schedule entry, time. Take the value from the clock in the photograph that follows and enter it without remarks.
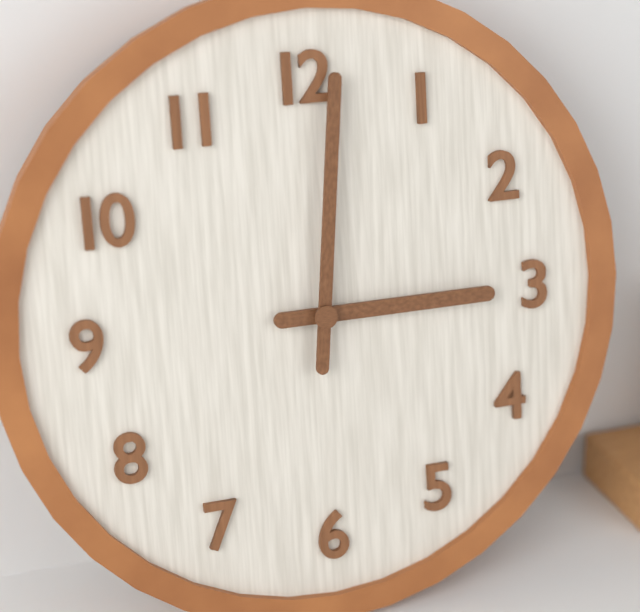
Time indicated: 3:01
